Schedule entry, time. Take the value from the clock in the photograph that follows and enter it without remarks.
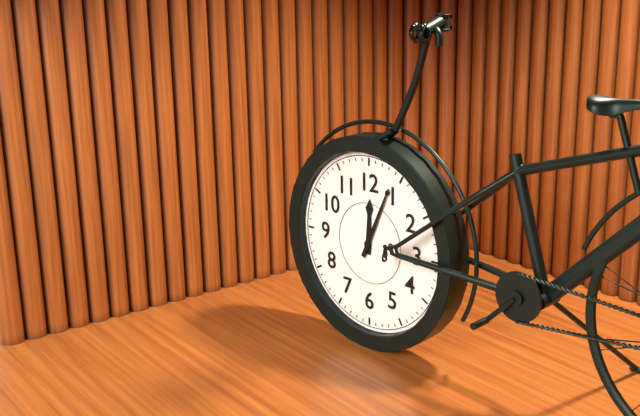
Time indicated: 12:04
